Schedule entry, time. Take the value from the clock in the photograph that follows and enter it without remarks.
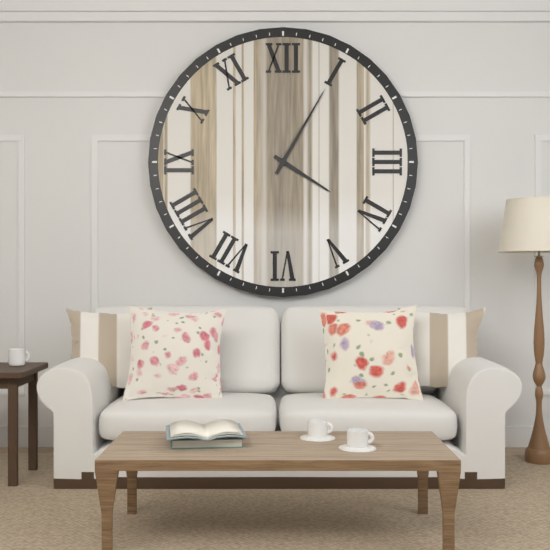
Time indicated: 4:05
